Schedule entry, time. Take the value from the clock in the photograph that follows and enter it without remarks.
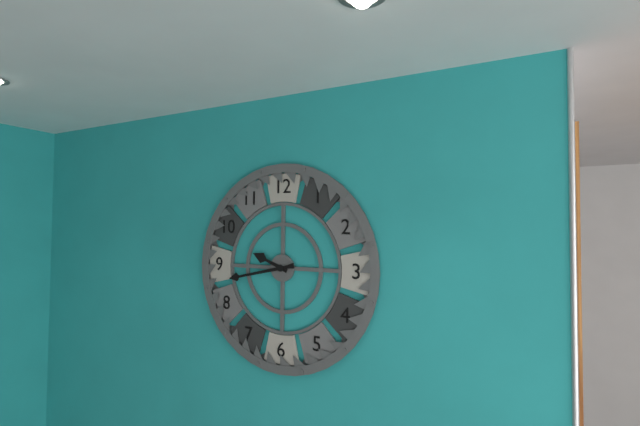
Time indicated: 9:43
